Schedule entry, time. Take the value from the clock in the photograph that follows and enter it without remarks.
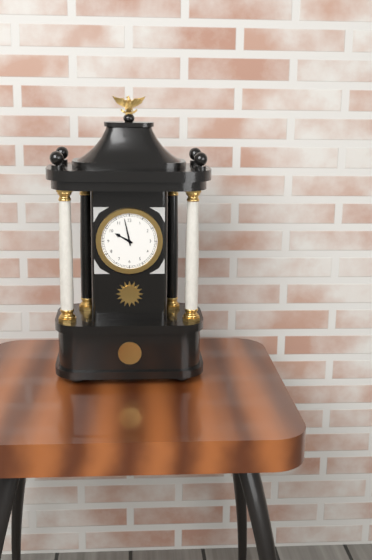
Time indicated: 9:58
